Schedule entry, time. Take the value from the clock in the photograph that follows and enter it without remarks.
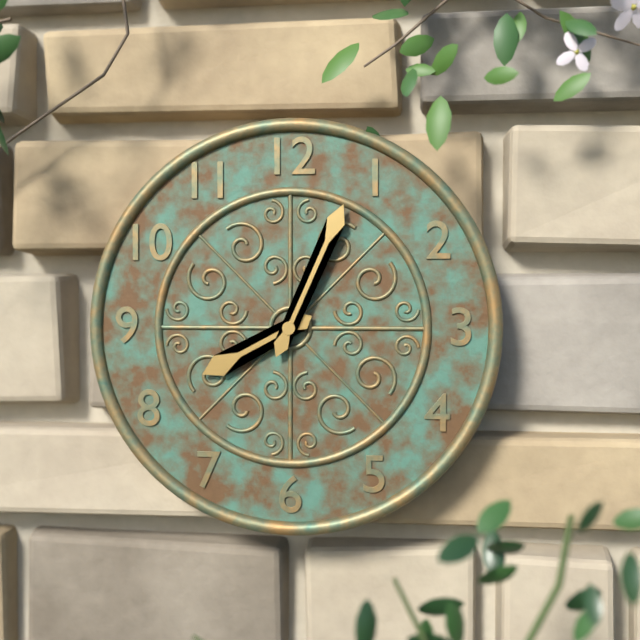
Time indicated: 8:04
